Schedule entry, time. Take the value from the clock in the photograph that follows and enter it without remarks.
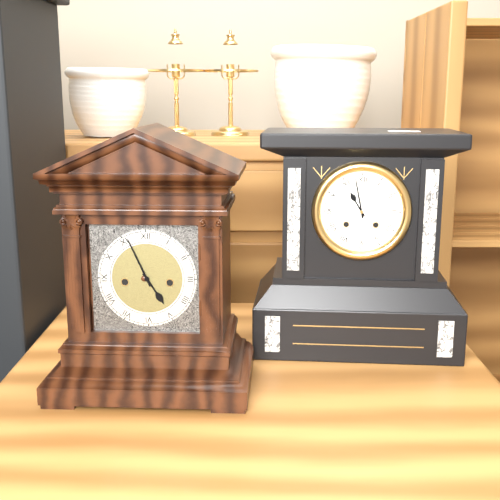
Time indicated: 4:56
